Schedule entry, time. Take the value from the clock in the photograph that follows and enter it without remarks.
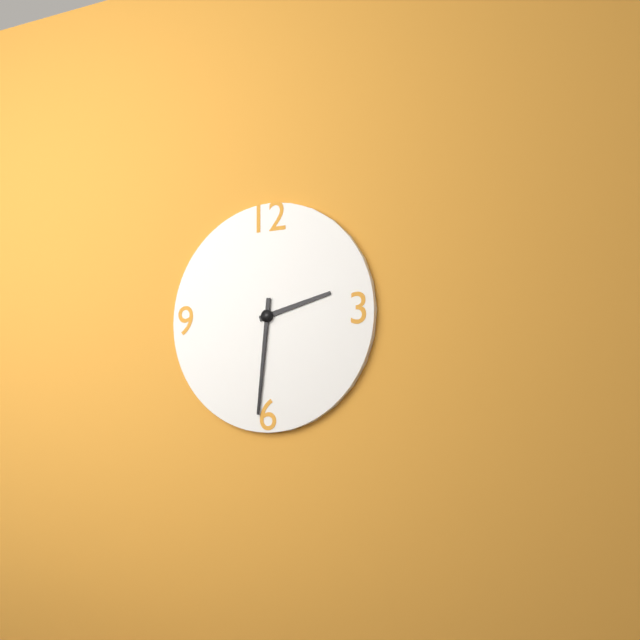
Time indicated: 2:31
